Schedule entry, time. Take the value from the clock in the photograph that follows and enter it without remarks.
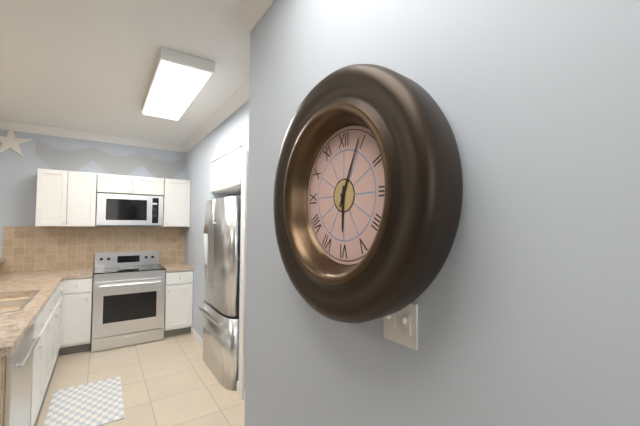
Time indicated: 6:04
